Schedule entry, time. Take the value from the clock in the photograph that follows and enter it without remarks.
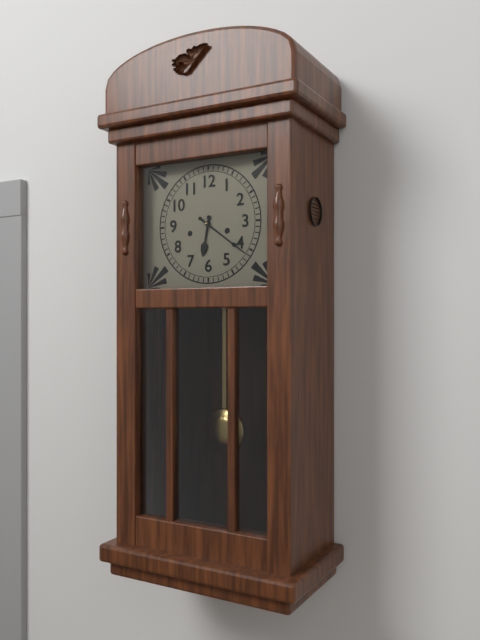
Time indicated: 6:21
